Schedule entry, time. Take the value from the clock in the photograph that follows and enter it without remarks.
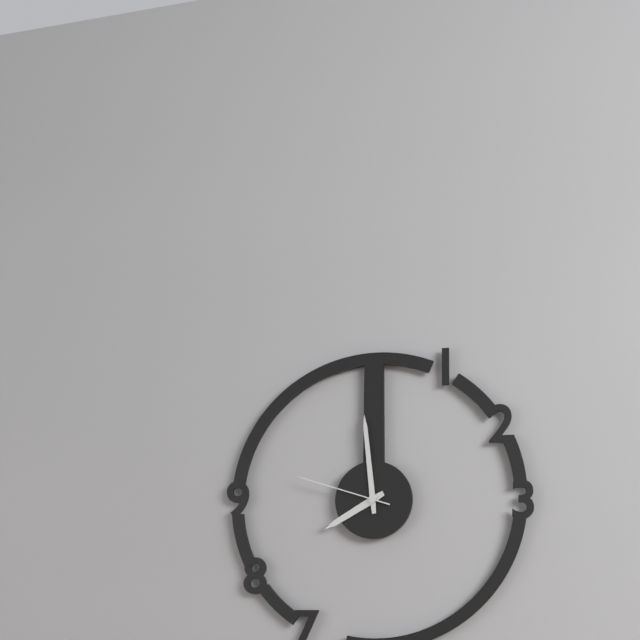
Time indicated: 7:59:48
